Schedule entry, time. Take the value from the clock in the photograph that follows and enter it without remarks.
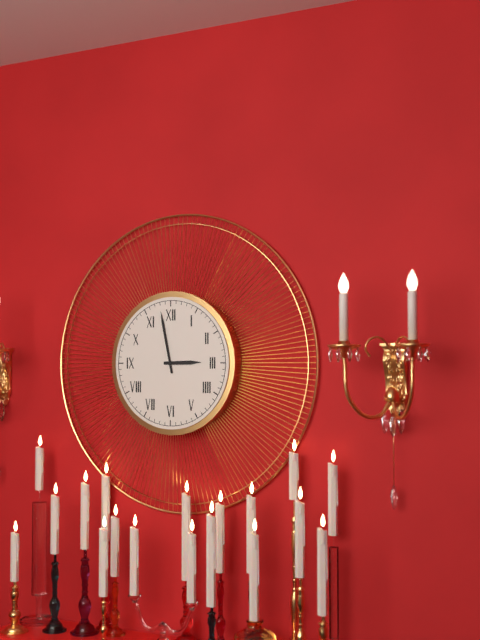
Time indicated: 2:58
